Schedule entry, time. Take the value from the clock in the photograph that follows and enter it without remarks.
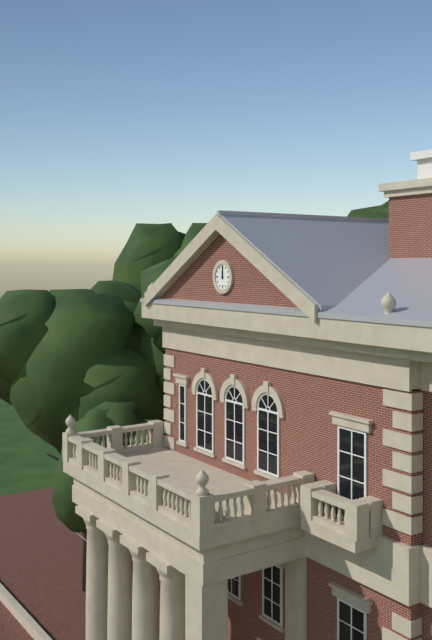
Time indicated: 12:00
